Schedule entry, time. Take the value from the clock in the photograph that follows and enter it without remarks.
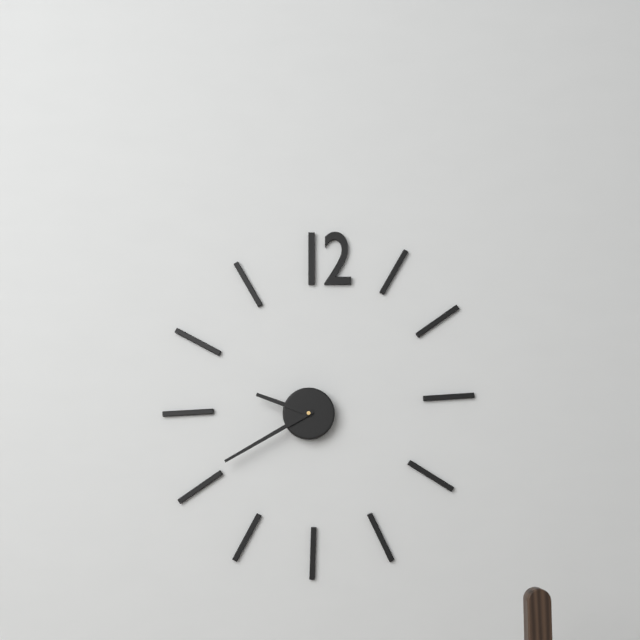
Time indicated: 9:40
